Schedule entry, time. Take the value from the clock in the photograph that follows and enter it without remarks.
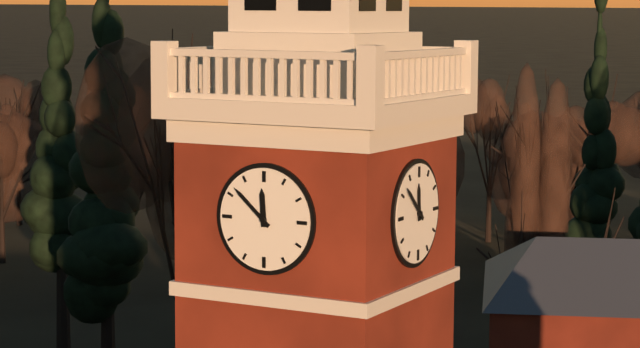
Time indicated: 11:52
